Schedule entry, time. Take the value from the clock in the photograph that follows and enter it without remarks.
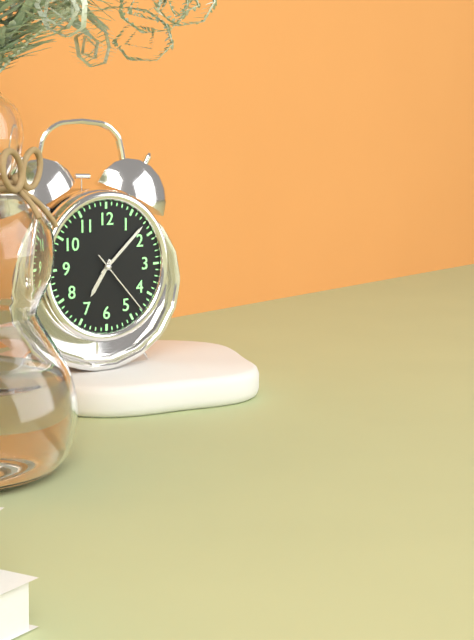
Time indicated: 7:08:23
